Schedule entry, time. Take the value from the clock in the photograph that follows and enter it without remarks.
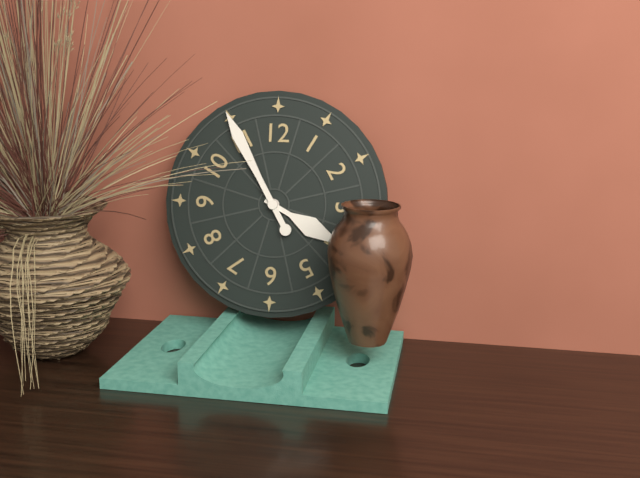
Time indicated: 3:55
